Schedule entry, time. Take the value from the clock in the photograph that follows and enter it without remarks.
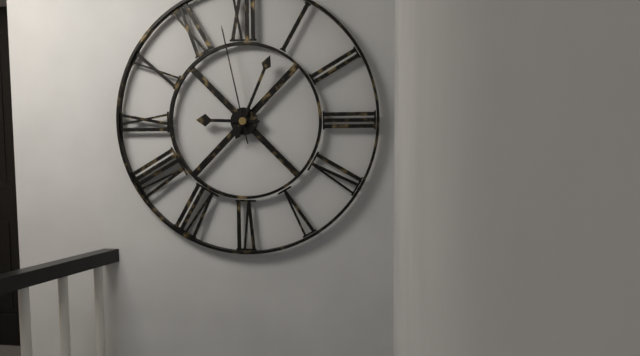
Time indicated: 9:04:58
